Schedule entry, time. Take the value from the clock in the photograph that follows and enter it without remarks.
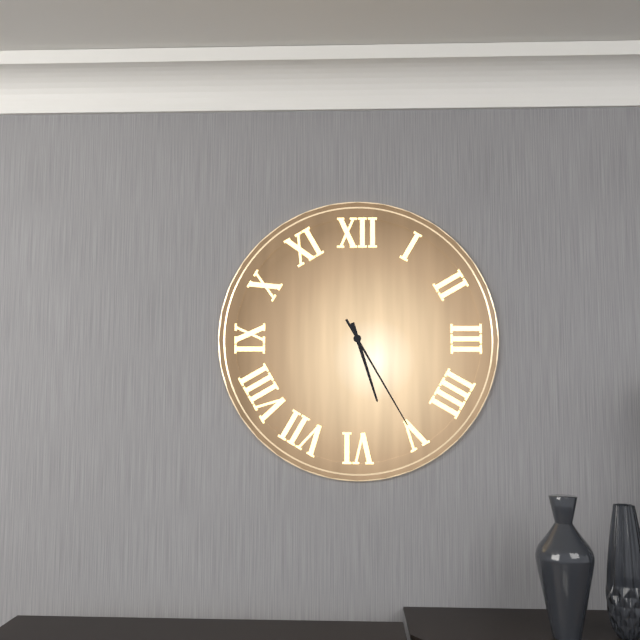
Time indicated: 5:25
